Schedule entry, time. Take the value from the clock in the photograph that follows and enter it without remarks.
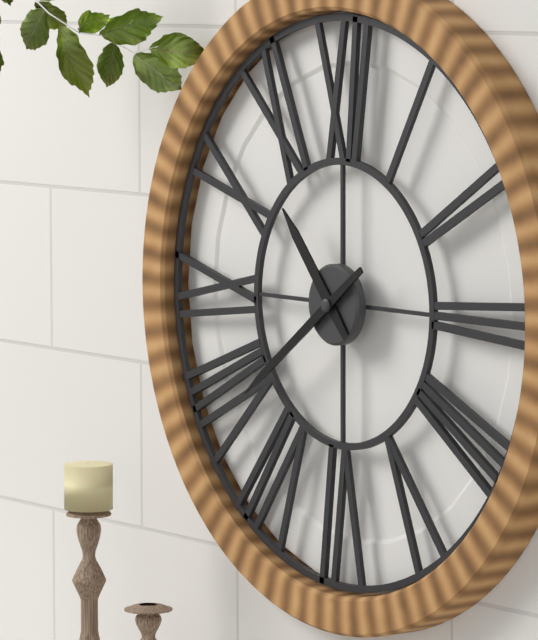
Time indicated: 10:39
